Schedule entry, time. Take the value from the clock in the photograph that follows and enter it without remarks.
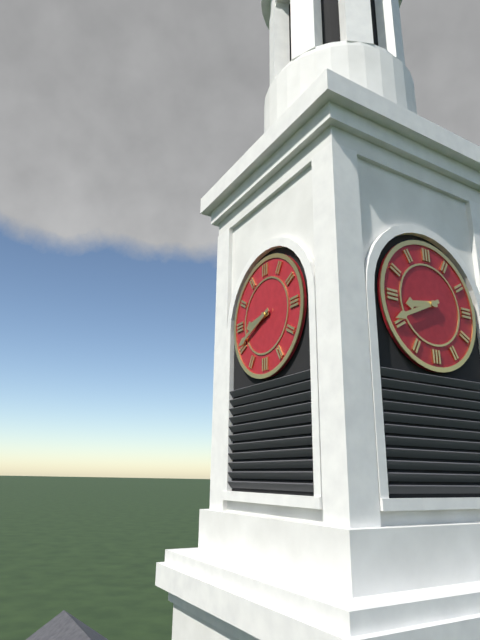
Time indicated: 8:41
